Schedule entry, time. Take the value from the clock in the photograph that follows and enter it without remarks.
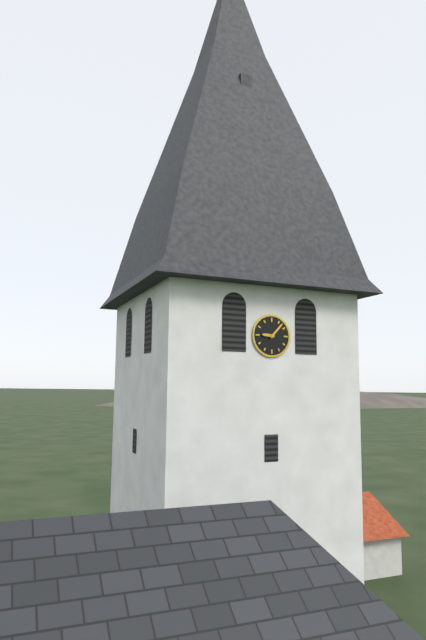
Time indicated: 9:07
